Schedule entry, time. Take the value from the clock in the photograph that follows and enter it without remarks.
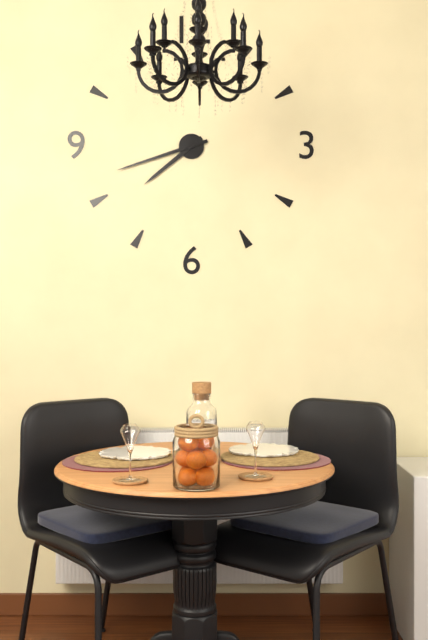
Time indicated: 7:42
